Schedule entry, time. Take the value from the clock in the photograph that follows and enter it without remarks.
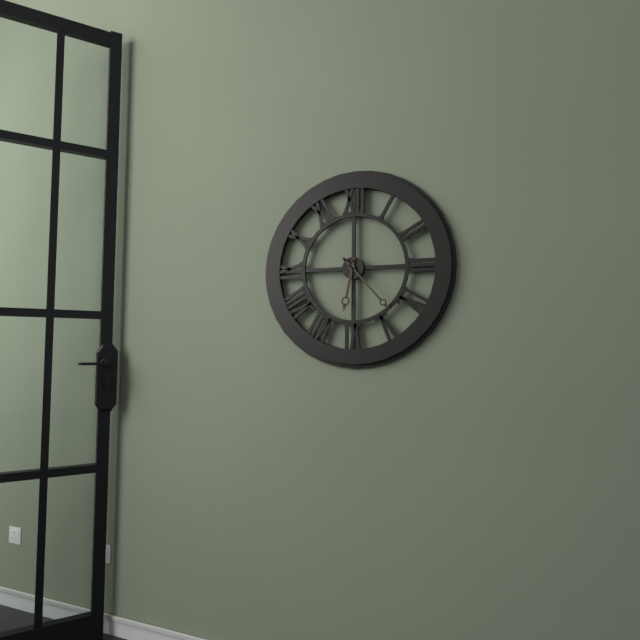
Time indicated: 6:23
